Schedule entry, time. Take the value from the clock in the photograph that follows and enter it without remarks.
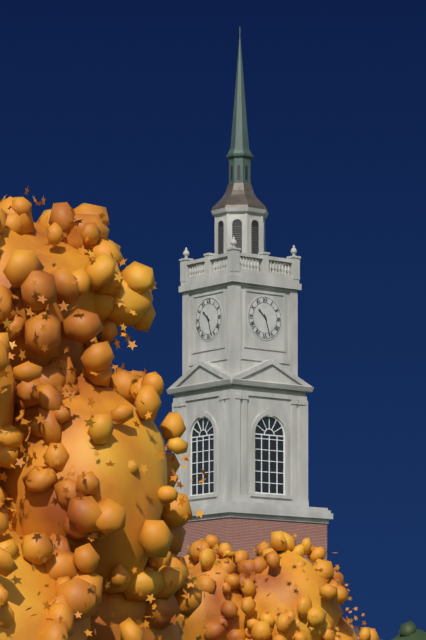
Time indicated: 10:27
